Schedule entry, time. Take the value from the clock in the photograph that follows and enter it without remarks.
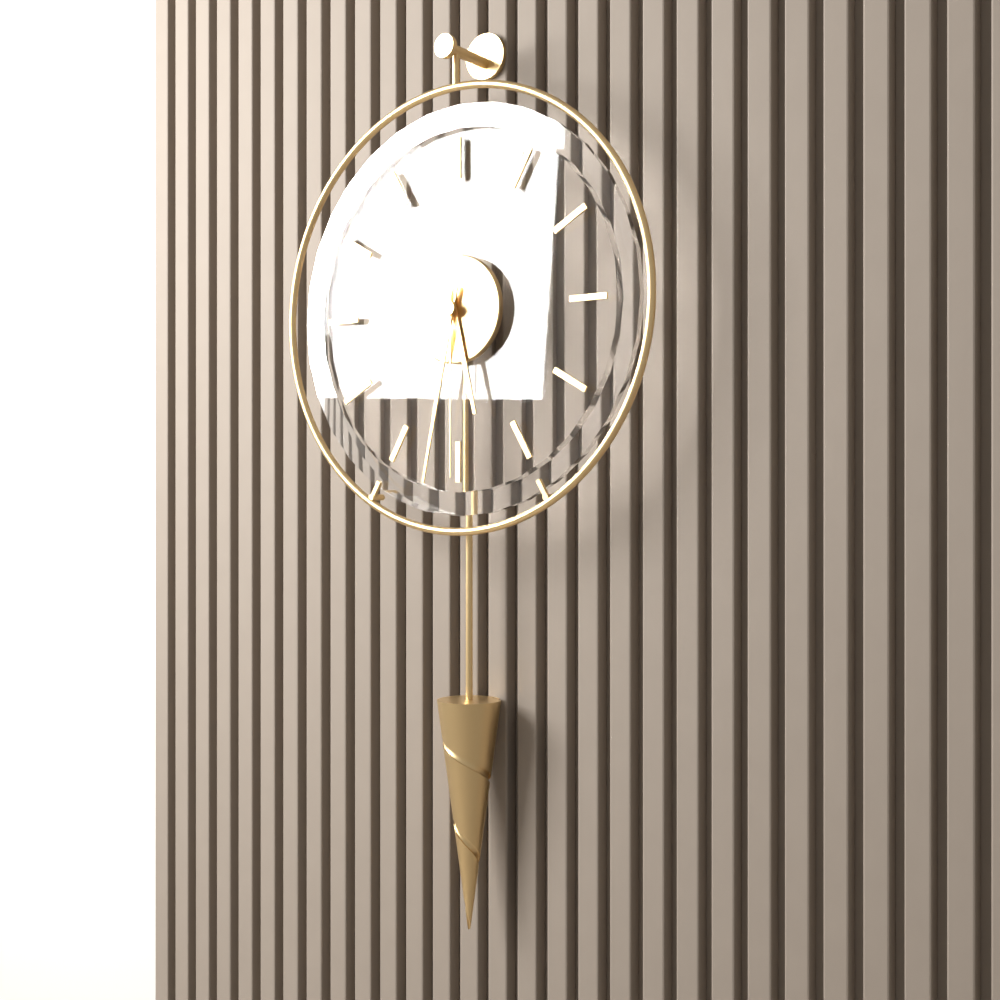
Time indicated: 5:32:30
